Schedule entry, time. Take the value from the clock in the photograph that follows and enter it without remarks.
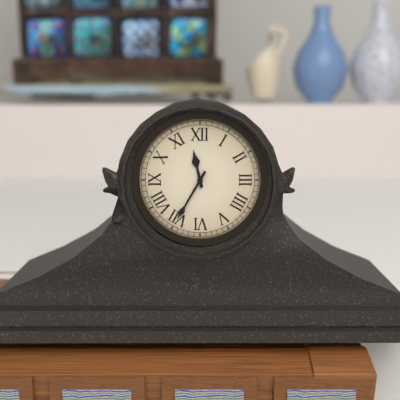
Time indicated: 11:35
